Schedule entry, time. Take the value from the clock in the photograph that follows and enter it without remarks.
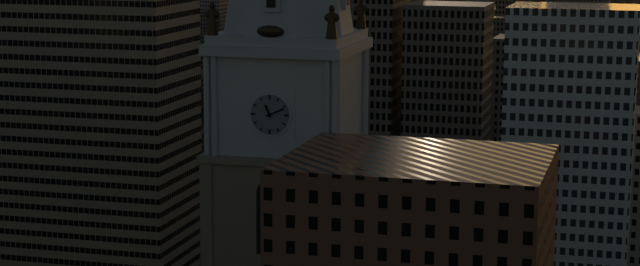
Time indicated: 11:11
